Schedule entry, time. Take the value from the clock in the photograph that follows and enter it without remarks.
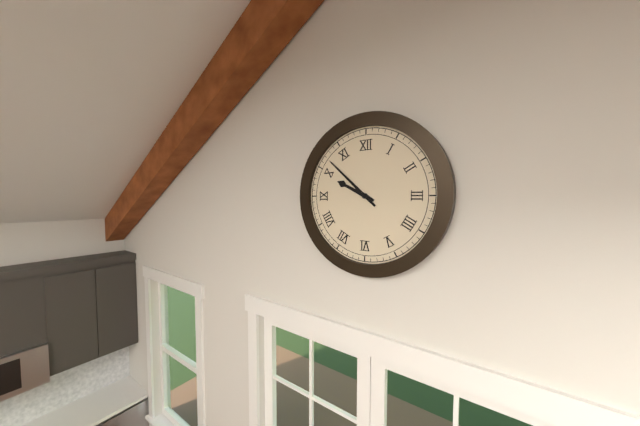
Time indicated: 9:52
